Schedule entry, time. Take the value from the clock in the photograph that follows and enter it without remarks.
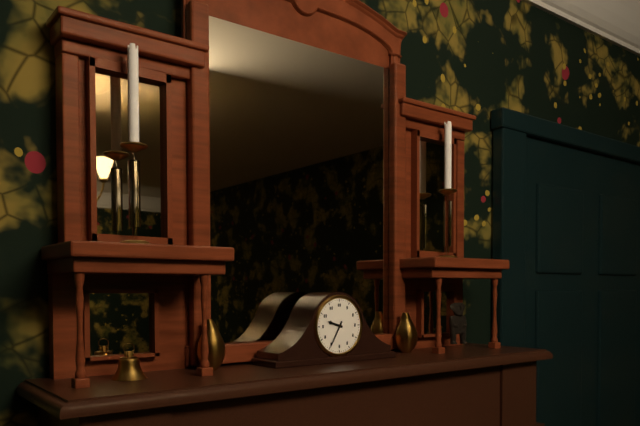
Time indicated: 9:35
